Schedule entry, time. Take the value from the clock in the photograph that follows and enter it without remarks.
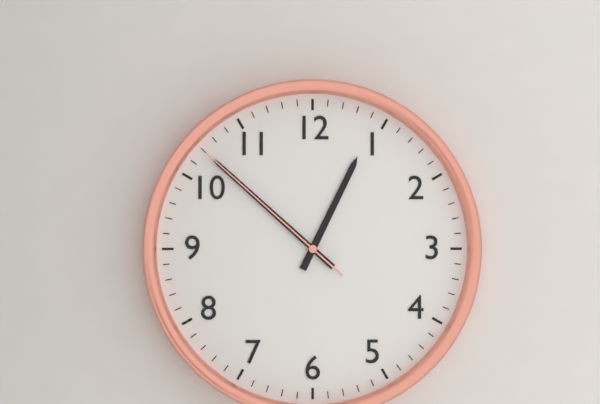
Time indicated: 12:52:52
